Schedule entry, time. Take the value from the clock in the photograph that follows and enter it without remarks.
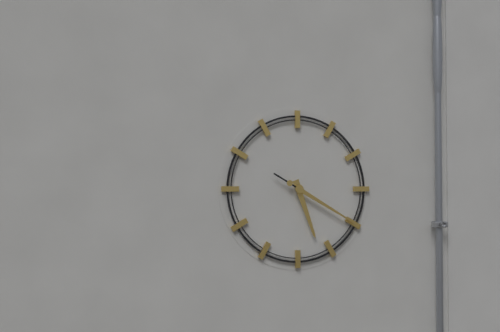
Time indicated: 5:20
